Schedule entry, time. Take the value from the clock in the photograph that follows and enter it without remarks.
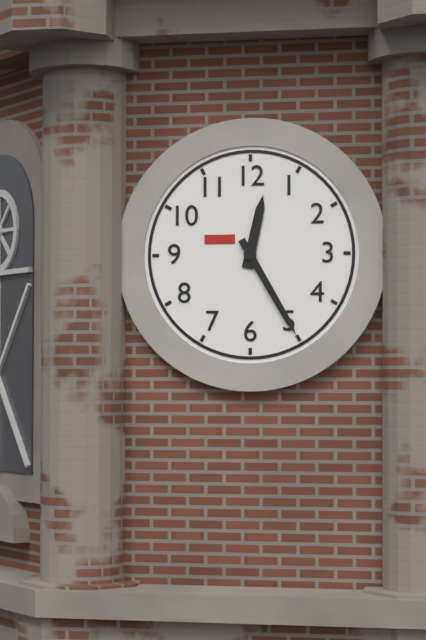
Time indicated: 12:25
